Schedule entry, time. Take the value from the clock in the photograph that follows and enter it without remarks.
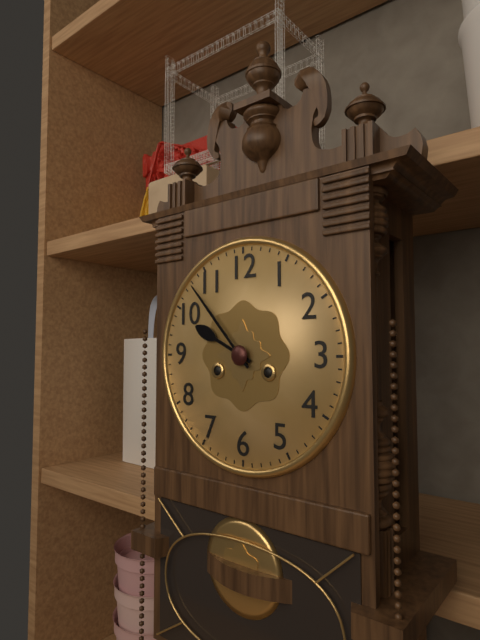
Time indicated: 9:53
